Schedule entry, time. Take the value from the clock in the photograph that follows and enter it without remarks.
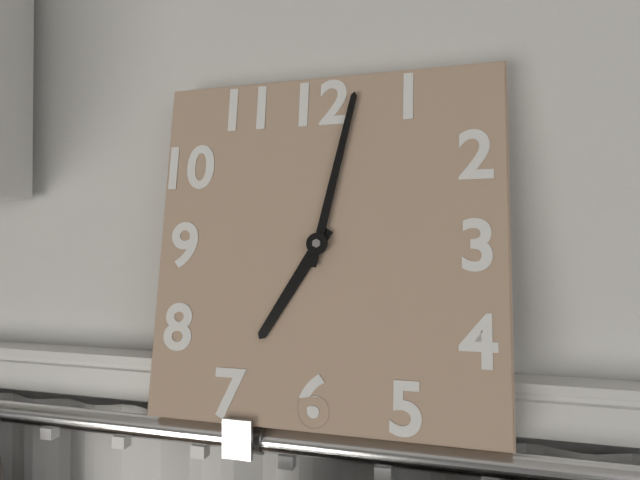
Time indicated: 7:02
